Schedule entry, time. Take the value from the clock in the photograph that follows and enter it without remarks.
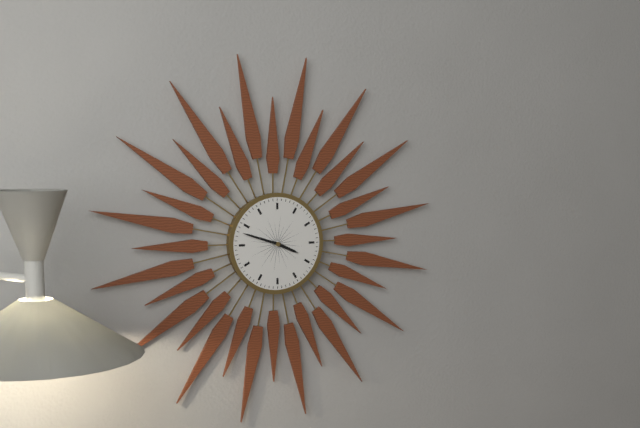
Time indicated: 3:48
